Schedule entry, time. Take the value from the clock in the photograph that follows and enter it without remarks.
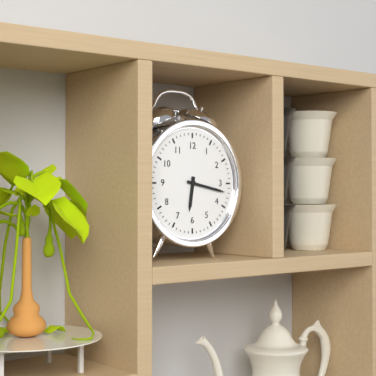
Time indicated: 6:17
